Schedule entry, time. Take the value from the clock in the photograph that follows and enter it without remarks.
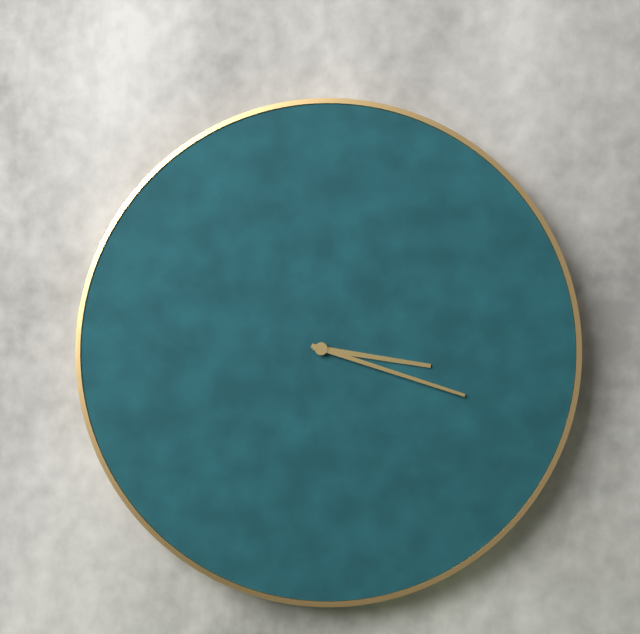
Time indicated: 3:18
